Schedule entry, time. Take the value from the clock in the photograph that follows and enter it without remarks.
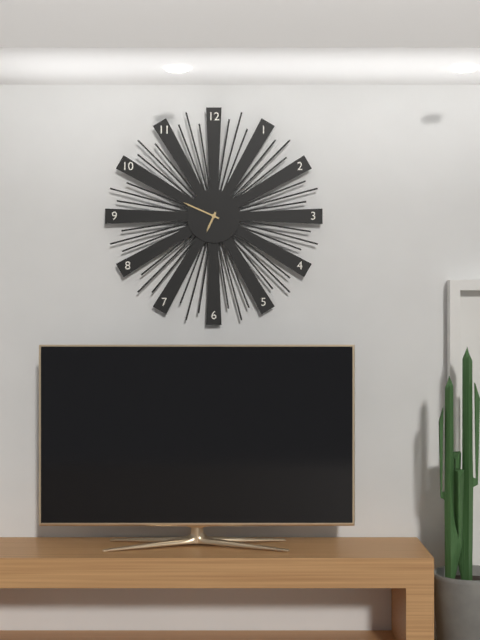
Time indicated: 6:49
